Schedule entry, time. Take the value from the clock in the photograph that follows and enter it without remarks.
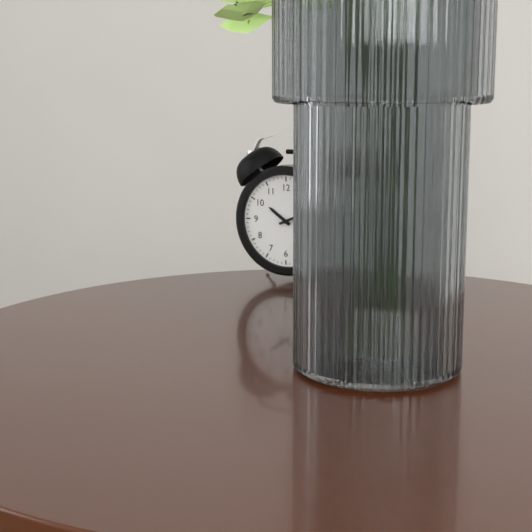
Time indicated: 10:11
